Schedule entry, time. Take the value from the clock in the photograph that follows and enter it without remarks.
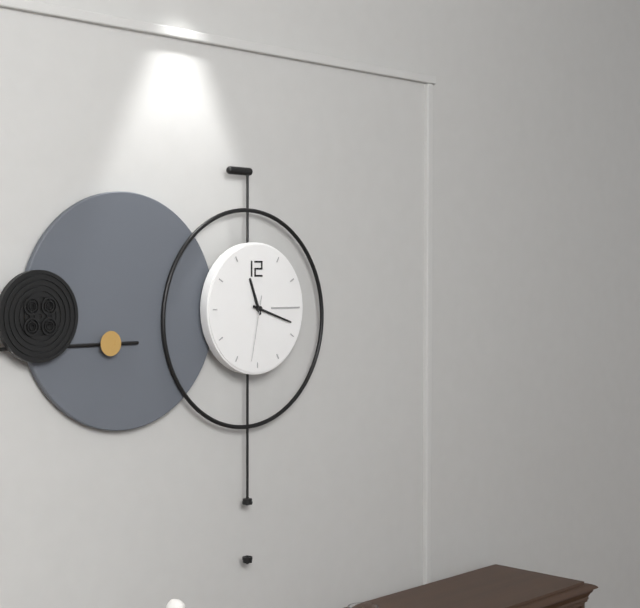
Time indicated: 11:18:32
